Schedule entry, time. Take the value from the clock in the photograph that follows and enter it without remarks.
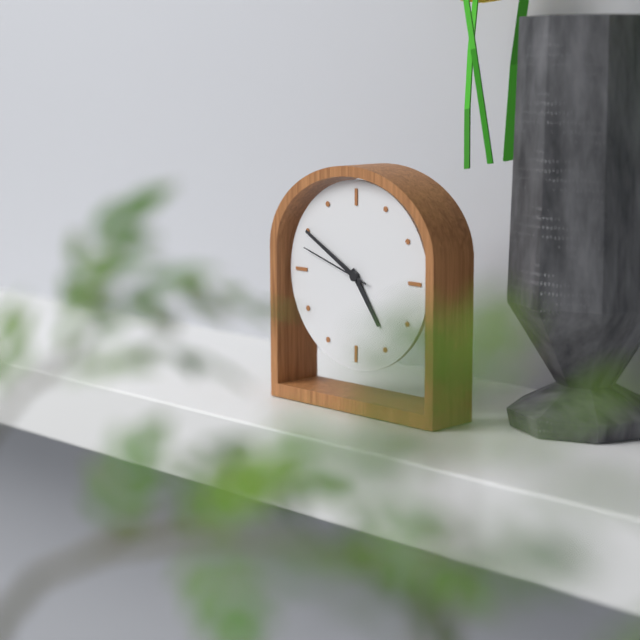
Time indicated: 4:50:48
